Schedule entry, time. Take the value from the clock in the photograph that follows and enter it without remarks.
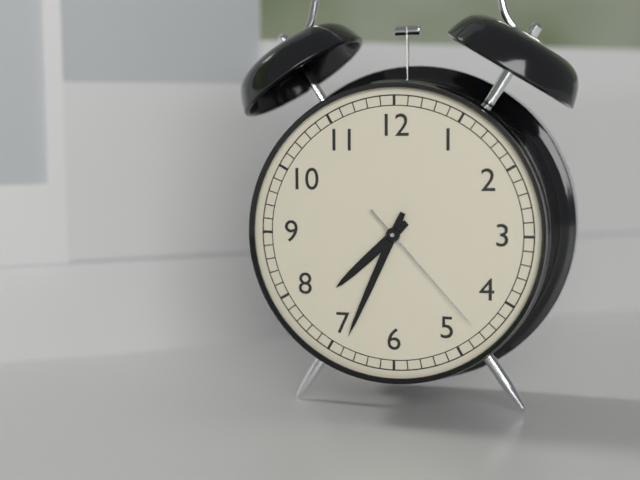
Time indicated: 7:34:23
